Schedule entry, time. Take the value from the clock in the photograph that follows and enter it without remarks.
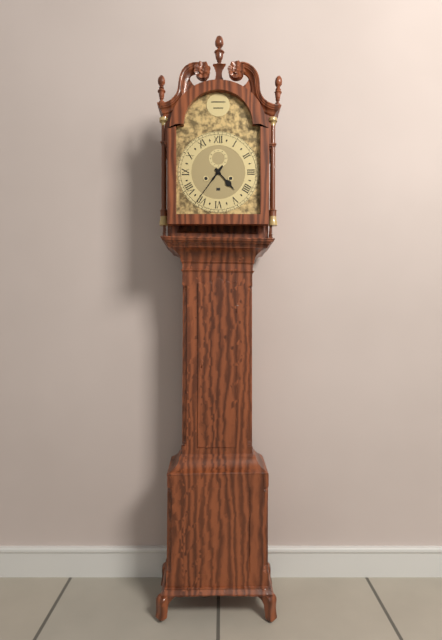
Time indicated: 4:36
